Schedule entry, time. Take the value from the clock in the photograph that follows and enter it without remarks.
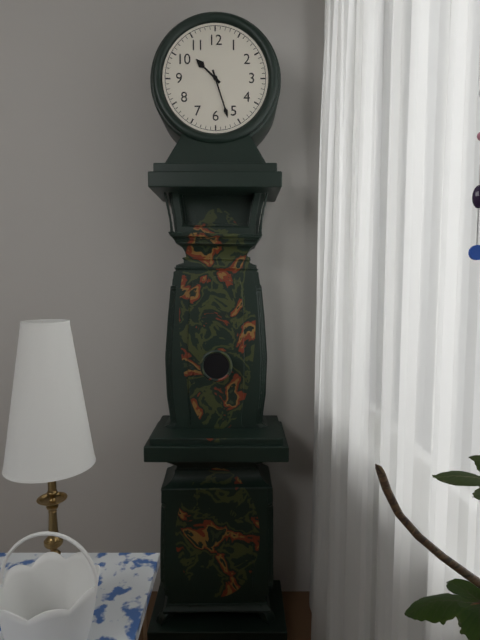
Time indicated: 10:27
